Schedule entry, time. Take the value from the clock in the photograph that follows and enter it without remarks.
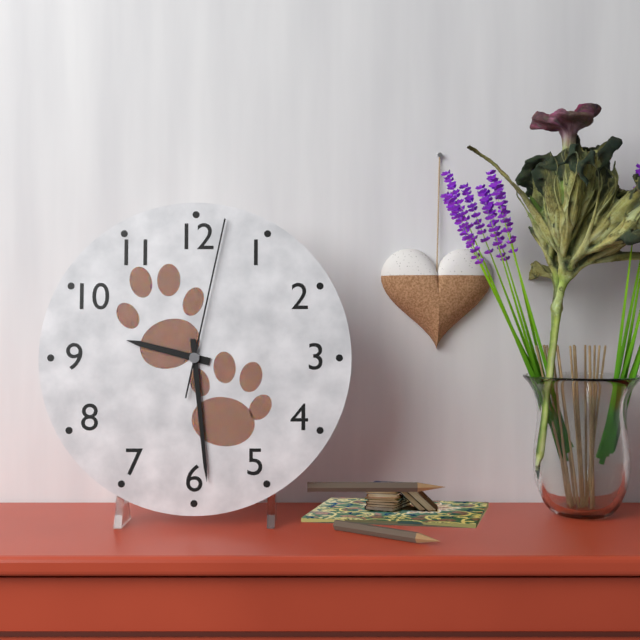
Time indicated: 9:29:02
